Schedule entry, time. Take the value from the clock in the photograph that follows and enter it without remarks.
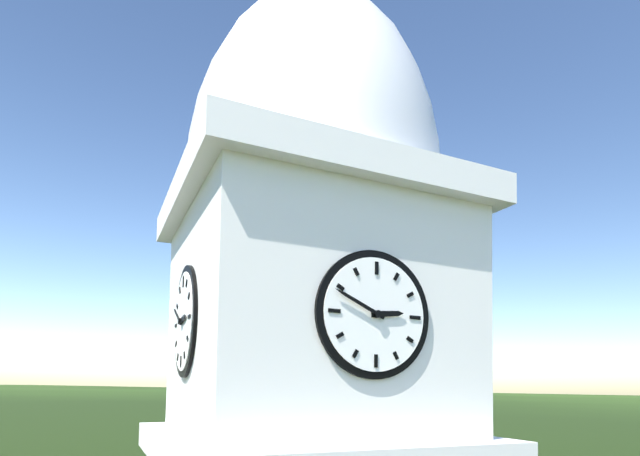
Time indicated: 2:49
